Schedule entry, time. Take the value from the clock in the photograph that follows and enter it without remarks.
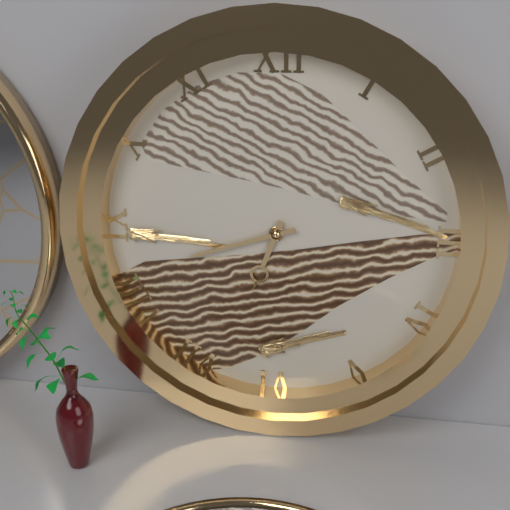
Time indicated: 6:42
